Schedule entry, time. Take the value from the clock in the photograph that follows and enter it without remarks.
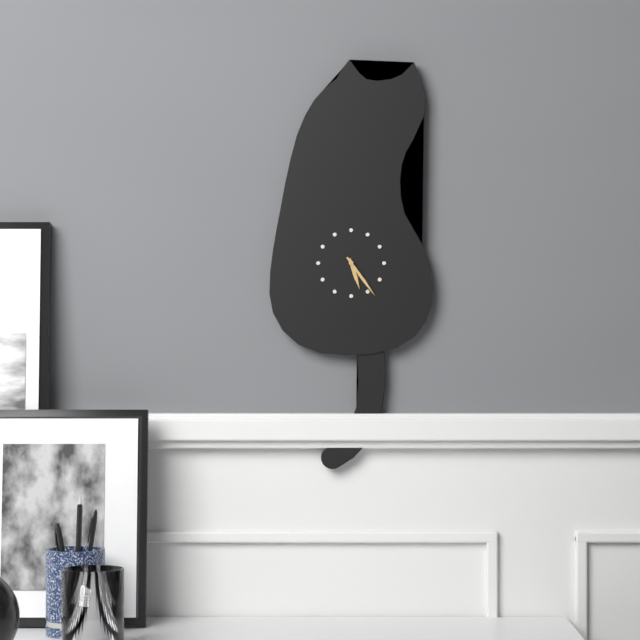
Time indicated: 5:24
